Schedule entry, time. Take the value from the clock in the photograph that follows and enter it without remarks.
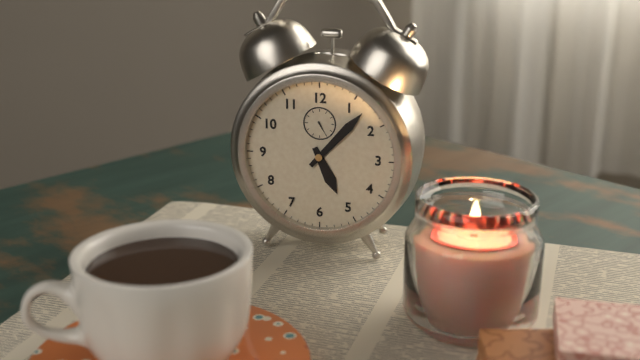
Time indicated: 5:07
